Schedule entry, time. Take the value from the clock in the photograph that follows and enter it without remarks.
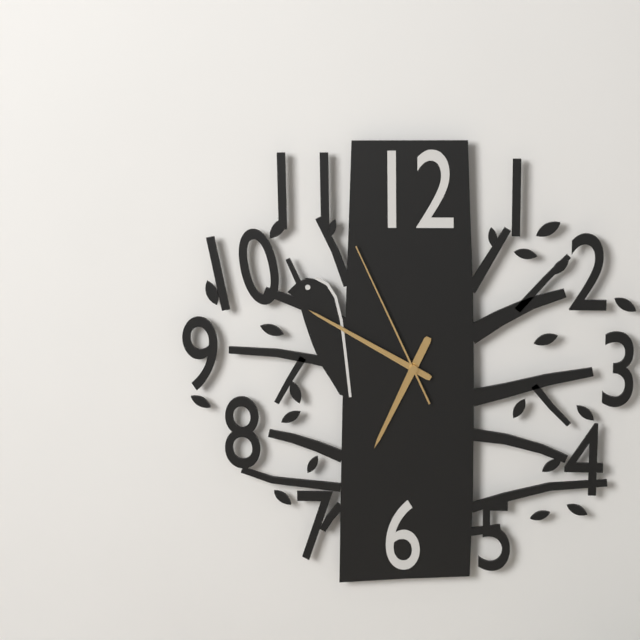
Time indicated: 6:50:56
